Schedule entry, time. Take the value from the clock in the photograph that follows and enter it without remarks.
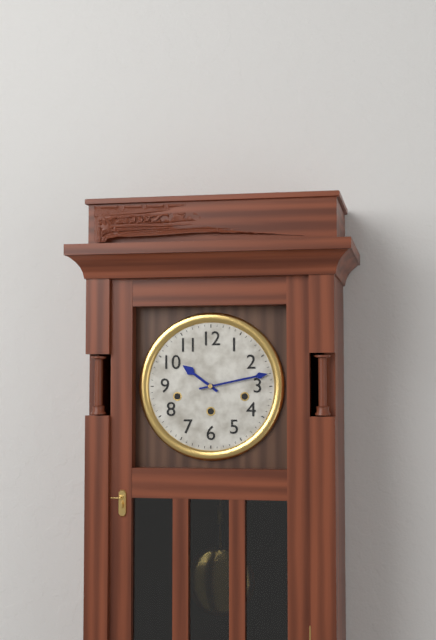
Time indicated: 10:13
